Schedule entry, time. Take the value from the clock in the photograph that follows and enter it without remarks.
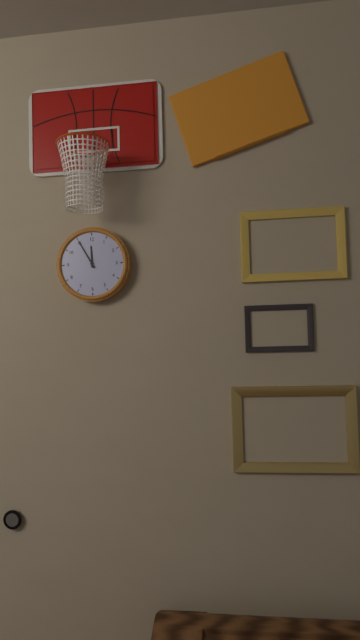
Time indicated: 11:55
